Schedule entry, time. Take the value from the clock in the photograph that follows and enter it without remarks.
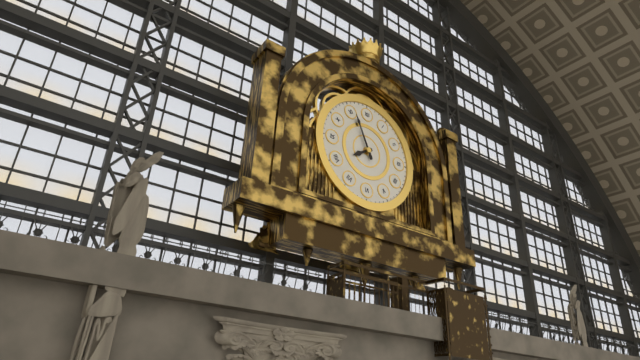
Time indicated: 7:56
